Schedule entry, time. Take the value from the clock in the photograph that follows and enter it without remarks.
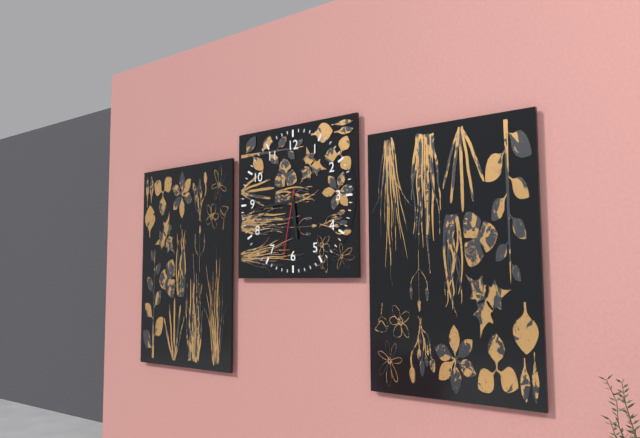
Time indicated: 5:44:32
